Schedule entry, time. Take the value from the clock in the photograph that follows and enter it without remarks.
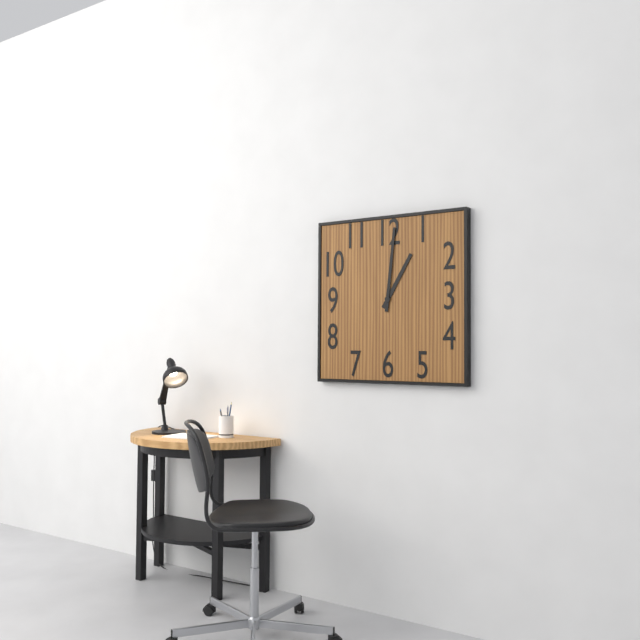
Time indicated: 1:01
